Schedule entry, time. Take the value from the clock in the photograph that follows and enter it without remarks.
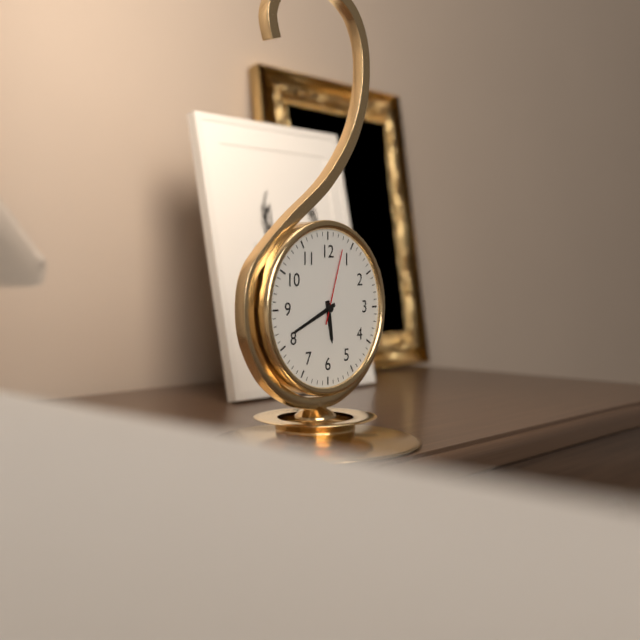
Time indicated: 5:41:03
